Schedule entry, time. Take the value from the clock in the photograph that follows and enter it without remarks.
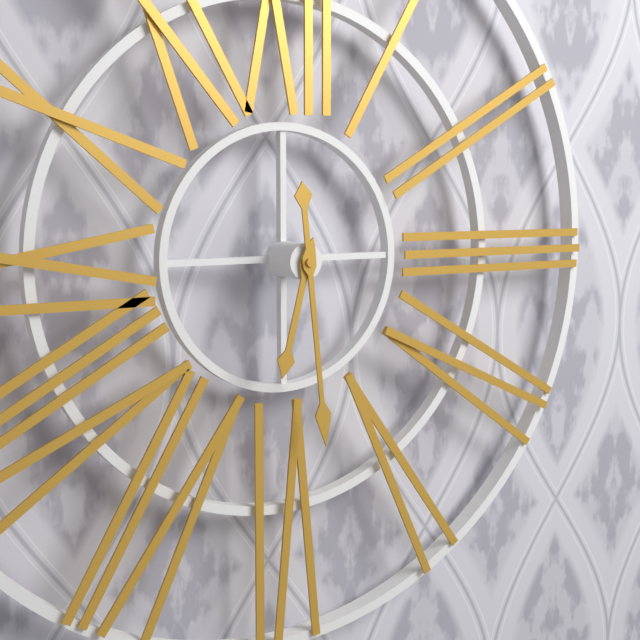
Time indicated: 6:29
